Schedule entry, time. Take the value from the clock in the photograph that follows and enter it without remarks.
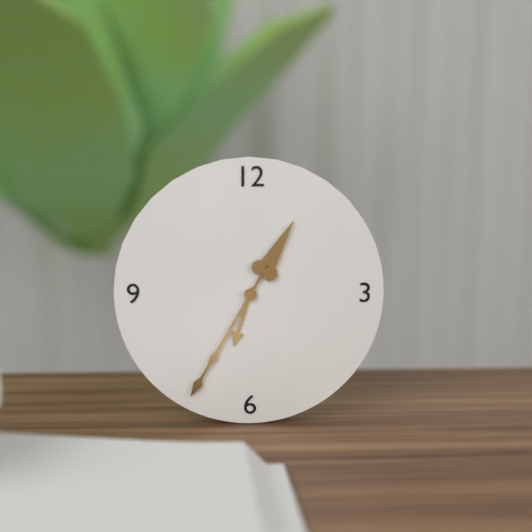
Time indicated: 6:35
